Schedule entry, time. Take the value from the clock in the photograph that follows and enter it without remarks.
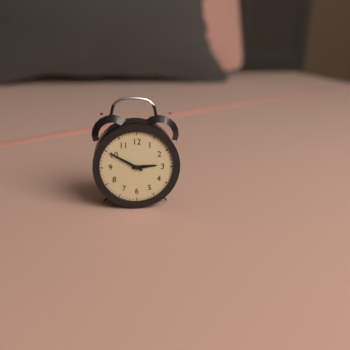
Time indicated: 2:50
